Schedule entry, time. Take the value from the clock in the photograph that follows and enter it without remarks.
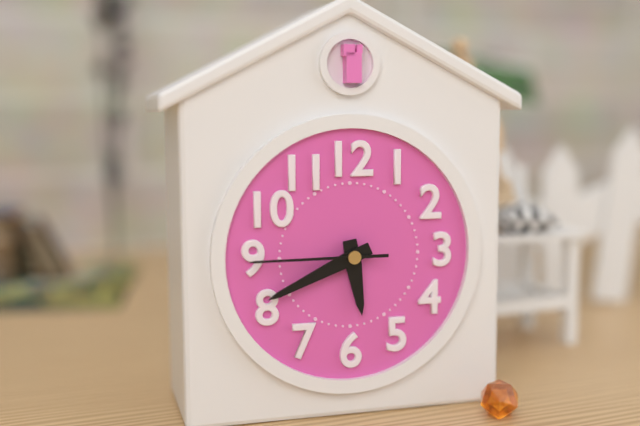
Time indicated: 5:41:45
